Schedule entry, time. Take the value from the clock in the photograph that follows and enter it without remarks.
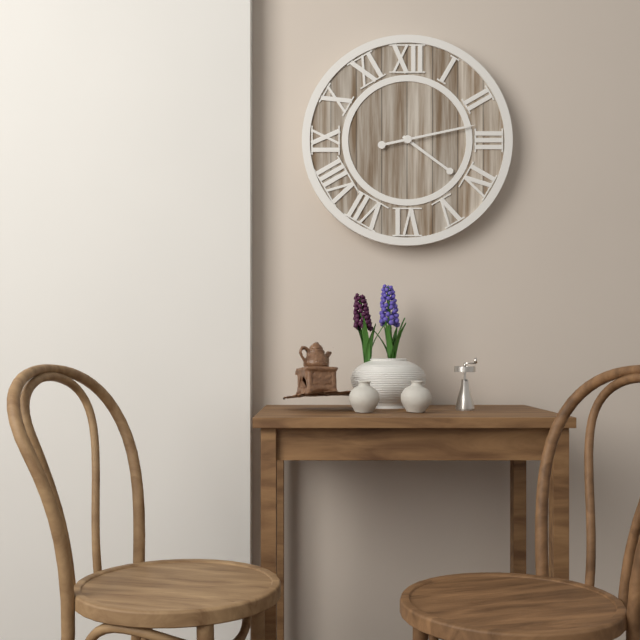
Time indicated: 4:13
